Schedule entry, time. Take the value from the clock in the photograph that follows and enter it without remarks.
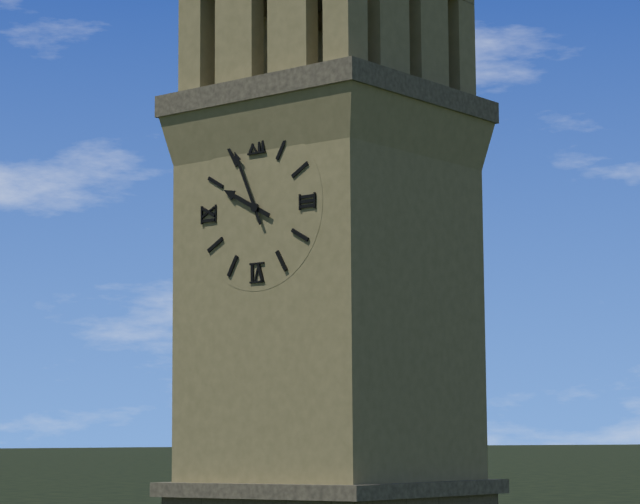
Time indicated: 9:56
